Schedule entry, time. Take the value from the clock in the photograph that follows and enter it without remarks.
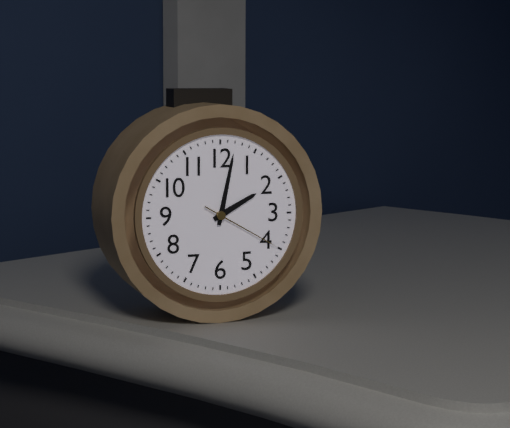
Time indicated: 2:02:20
